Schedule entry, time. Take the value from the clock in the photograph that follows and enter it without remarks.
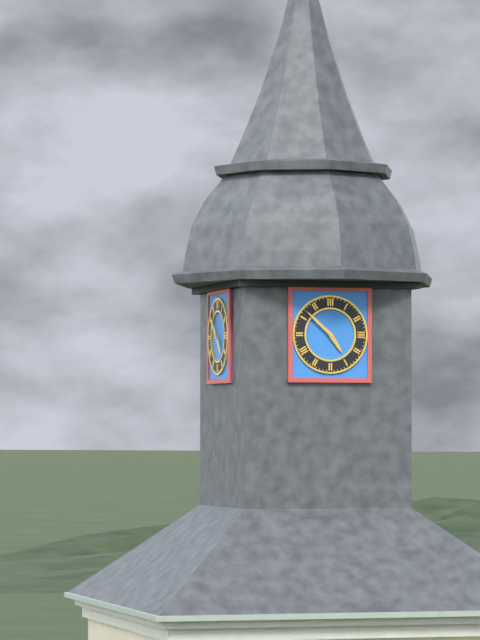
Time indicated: 4:52
